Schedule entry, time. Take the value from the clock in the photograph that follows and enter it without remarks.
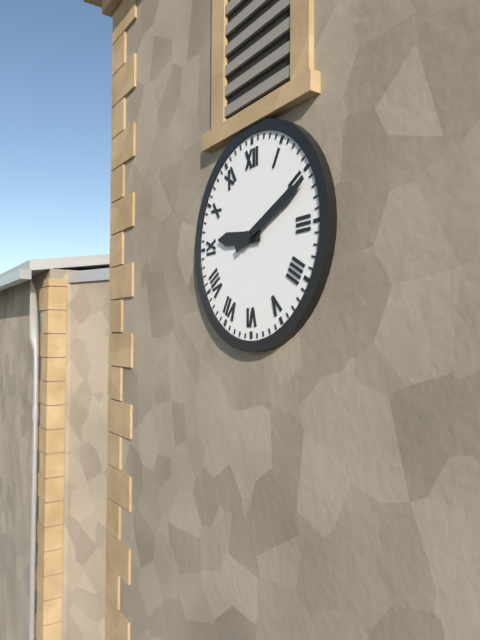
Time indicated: 9:11
